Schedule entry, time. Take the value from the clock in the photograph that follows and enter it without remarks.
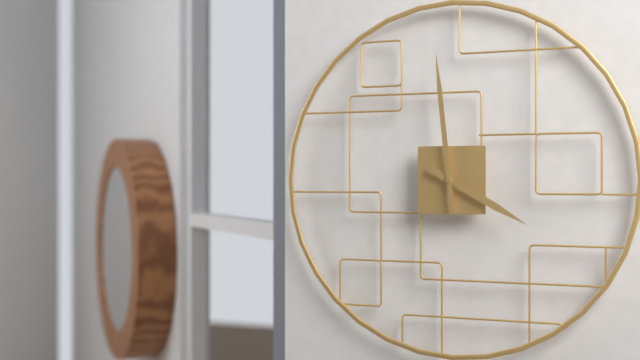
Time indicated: 3:59
